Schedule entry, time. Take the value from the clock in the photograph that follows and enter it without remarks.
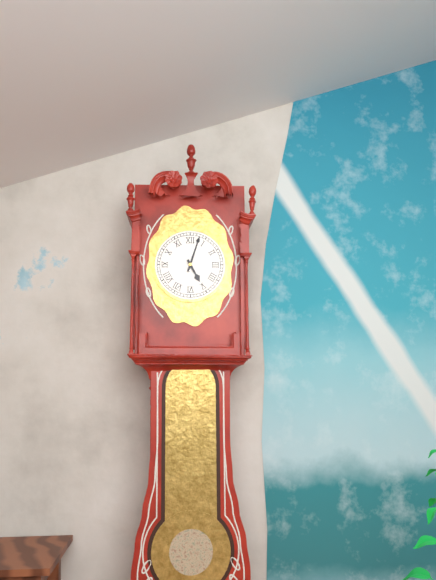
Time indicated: 5:03
